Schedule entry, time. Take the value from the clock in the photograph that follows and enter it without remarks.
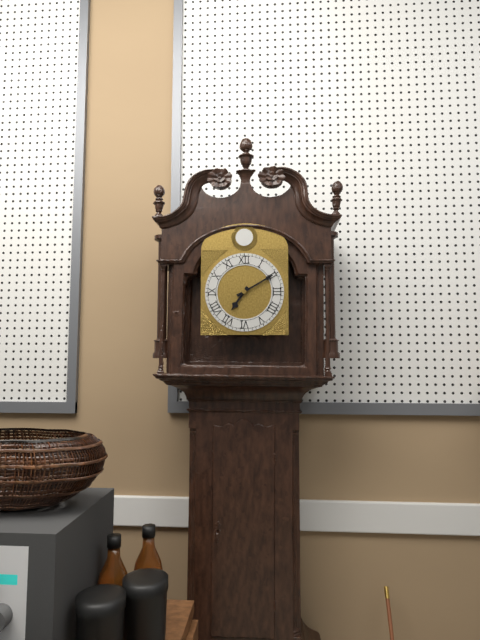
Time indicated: 7:10
